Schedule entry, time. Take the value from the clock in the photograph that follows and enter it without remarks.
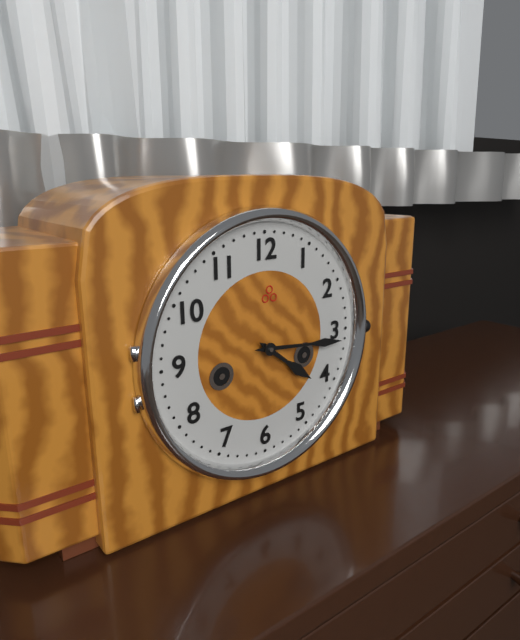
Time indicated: 4:16
